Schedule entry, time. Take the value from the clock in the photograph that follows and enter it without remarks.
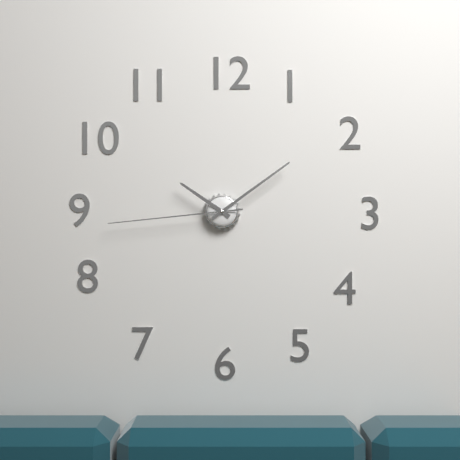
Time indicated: 10:09:44
